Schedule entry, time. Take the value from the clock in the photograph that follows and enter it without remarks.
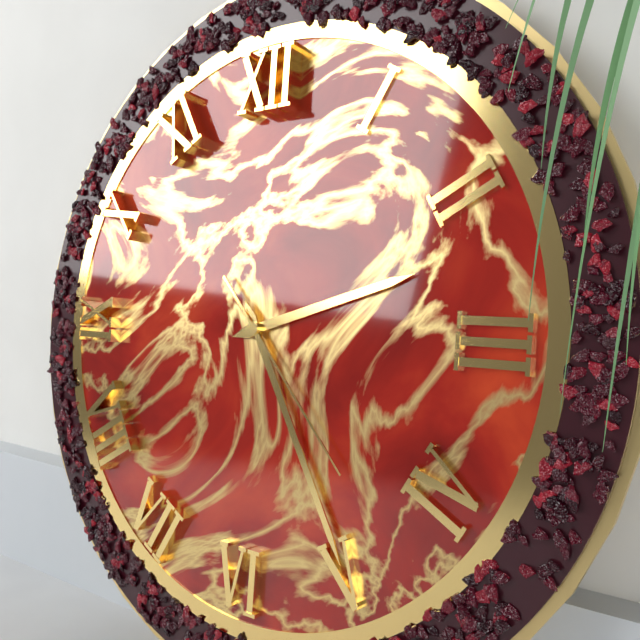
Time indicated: 2:25:23
